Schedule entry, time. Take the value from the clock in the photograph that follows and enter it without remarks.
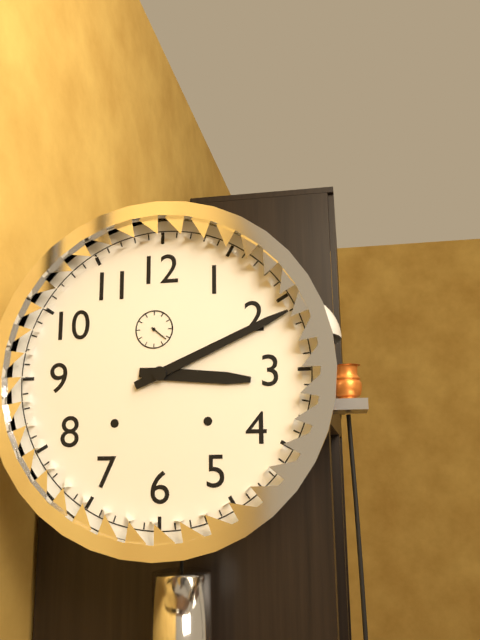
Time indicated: 3:11
